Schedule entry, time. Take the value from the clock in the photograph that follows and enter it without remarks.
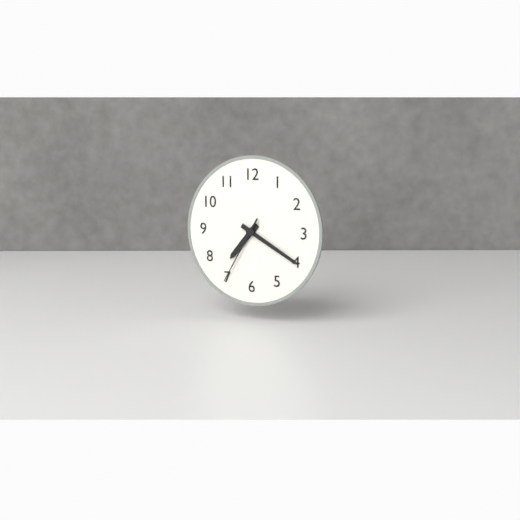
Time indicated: 7:20:35
